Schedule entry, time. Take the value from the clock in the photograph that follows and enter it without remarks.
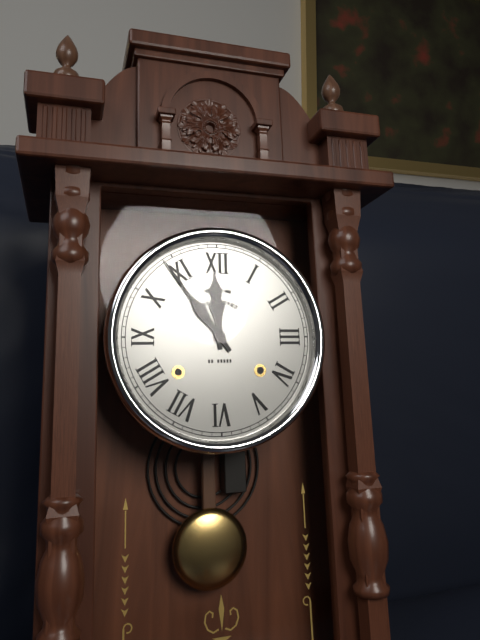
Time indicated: 11:54
